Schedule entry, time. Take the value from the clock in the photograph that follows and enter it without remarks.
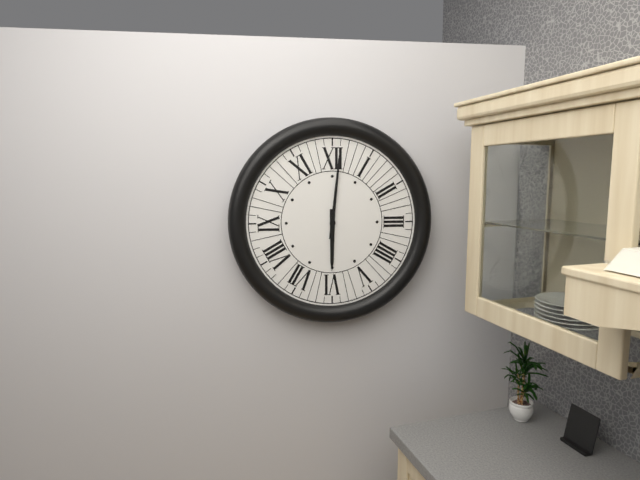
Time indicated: 6:01
